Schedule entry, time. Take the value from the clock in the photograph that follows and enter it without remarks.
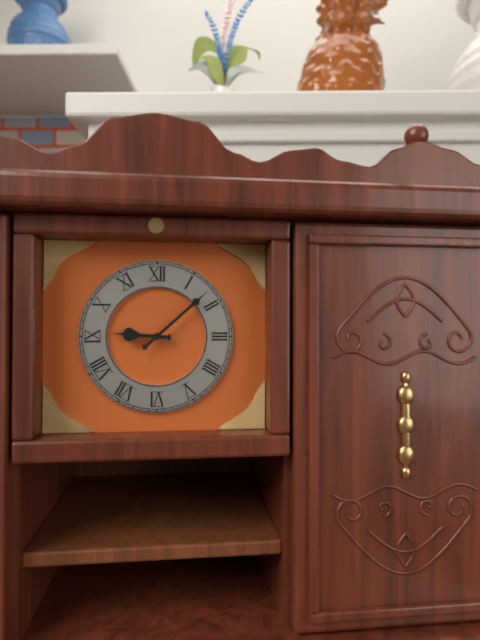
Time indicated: 9:08
